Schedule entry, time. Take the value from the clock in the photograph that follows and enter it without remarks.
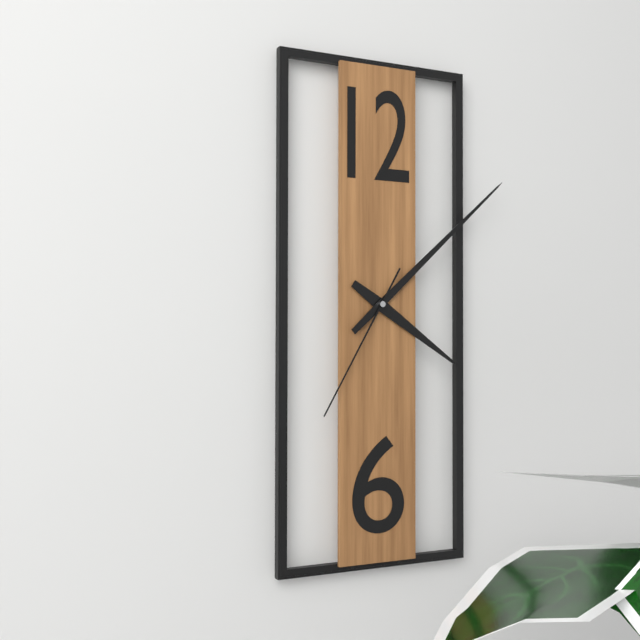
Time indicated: 4:08:35
